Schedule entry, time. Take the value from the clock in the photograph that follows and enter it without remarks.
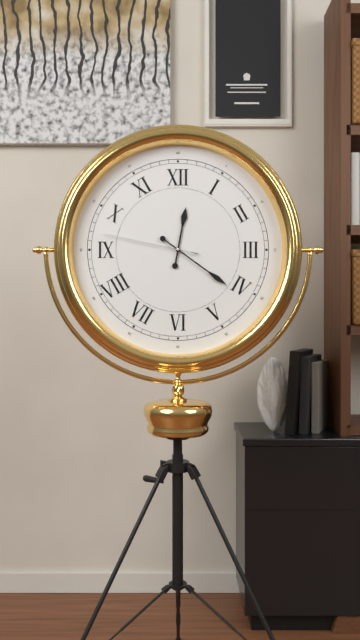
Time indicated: 12:21:47
